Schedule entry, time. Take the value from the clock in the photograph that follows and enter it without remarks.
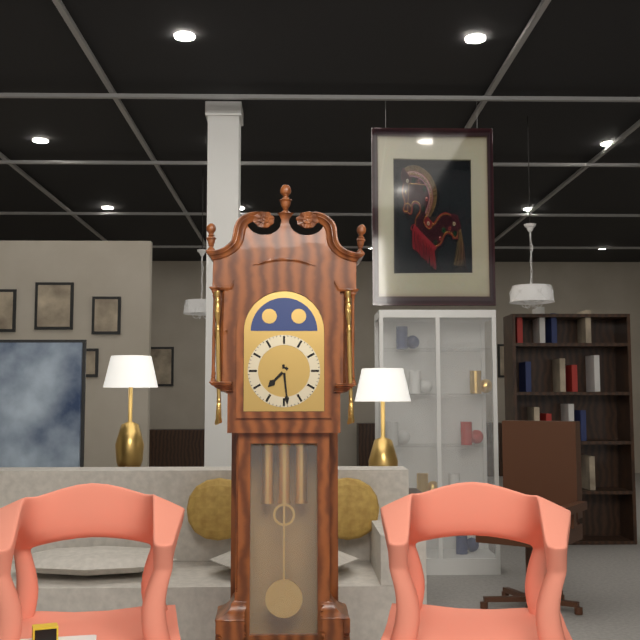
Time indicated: 7:29
